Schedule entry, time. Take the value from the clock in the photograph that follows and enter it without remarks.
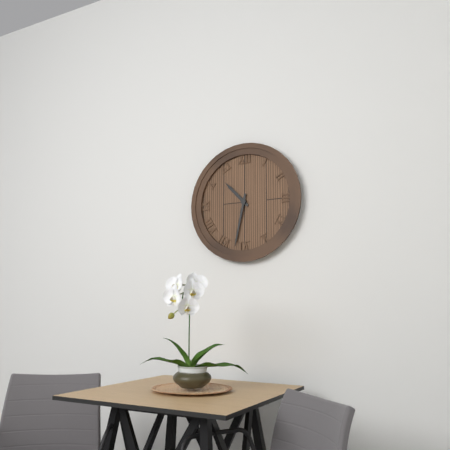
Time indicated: 10:32
